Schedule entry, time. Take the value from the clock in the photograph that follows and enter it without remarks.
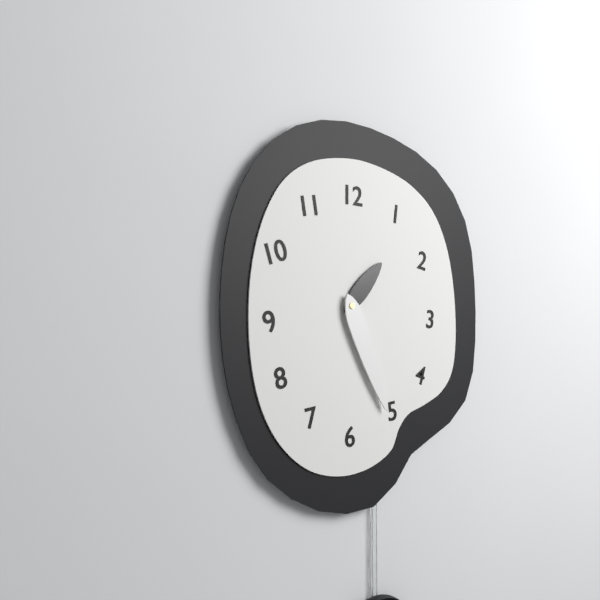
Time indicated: 1:26
